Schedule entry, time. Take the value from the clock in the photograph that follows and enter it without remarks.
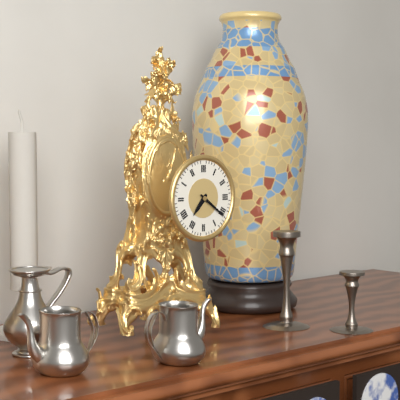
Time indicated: 7:21
